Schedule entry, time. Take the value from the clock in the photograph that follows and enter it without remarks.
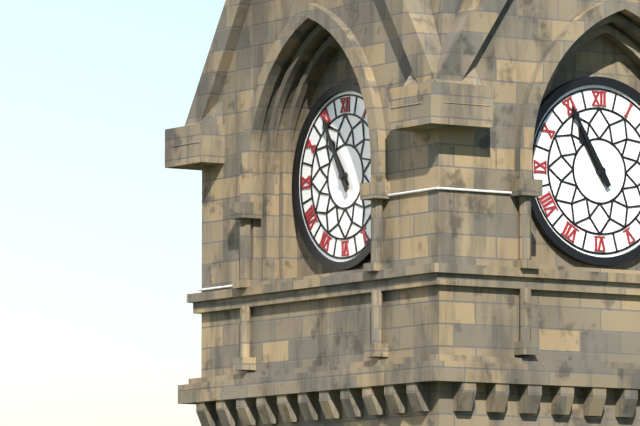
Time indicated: 10:55
